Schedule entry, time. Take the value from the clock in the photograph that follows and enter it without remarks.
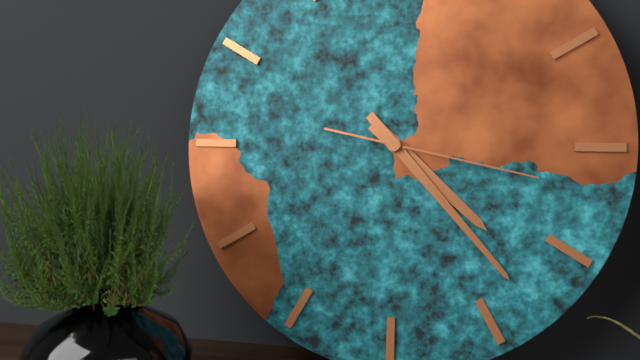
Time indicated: 4:23:17
